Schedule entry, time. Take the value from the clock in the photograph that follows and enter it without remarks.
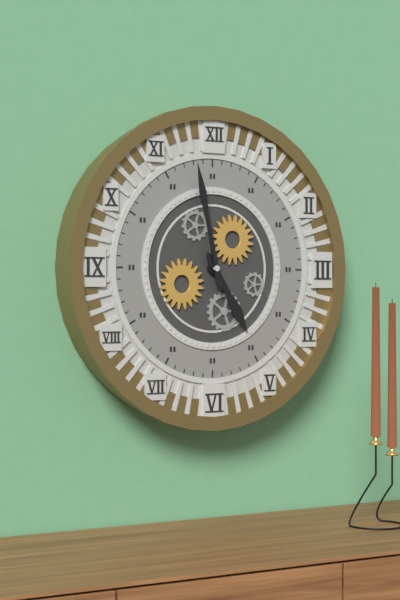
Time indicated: 4:58
